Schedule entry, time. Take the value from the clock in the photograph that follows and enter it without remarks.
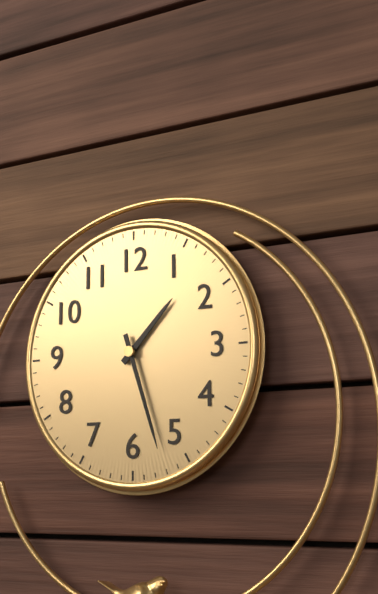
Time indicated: 1:27
